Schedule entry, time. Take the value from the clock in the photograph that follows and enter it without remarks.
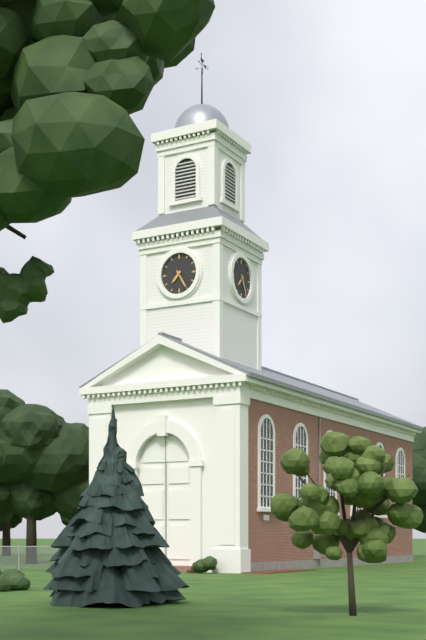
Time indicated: 7:25
